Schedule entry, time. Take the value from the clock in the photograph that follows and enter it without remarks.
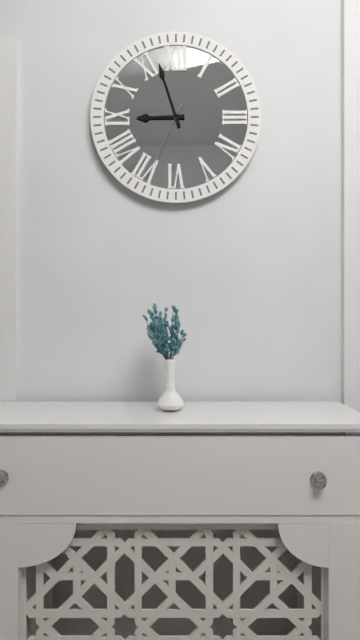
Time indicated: 8:57:34
